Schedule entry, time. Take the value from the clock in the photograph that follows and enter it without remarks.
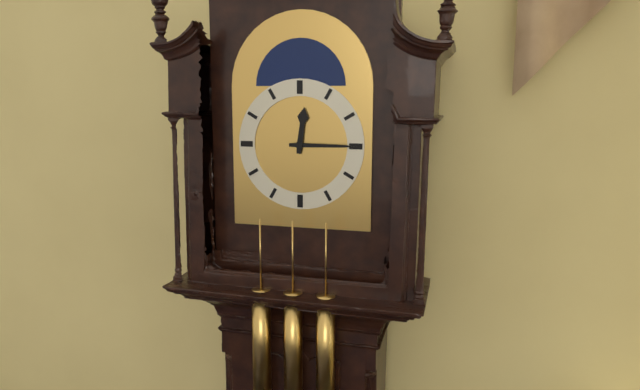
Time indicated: 12:15
